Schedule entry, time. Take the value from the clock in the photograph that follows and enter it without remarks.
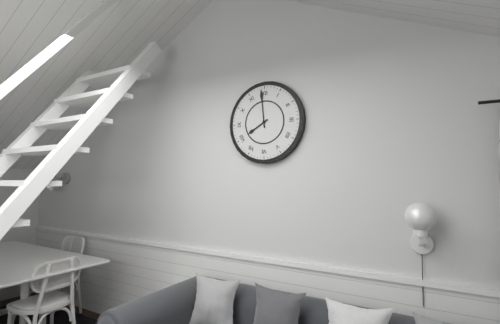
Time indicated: 7:59
